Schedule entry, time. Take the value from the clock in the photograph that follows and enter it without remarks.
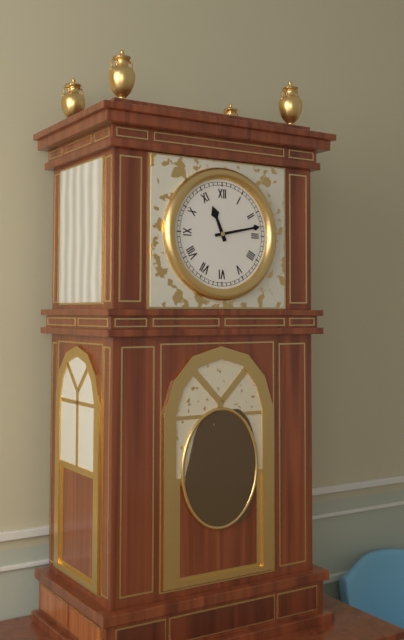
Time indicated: 11:13
